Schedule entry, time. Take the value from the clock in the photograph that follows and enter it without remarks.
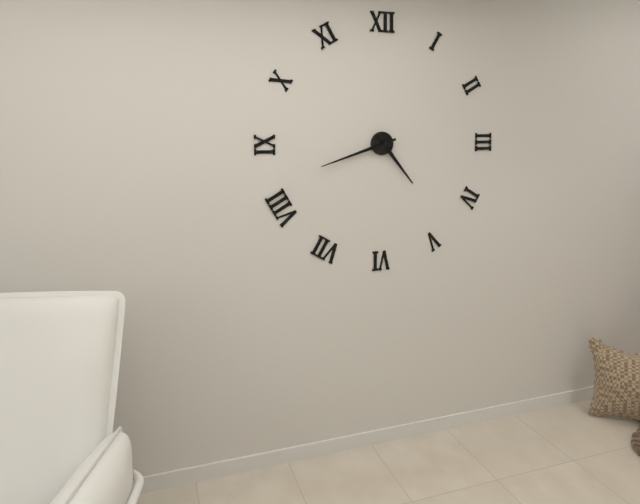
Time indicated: 4:42
